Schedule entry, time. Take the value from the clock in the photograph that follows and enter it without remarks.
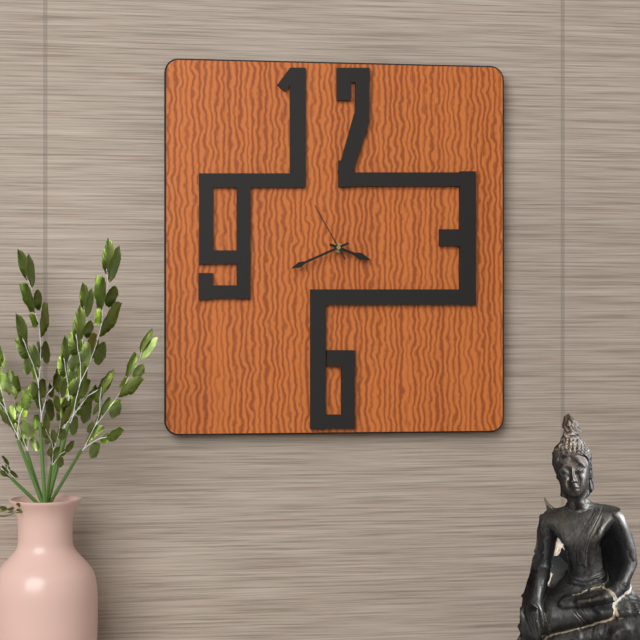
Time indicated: 3:41:55
